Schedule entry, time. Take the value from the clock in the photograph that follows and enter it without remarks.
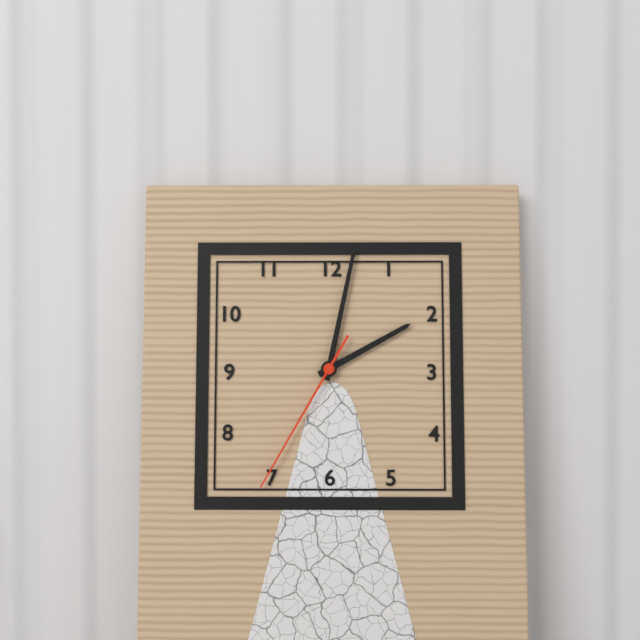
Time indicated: 2:02:35
